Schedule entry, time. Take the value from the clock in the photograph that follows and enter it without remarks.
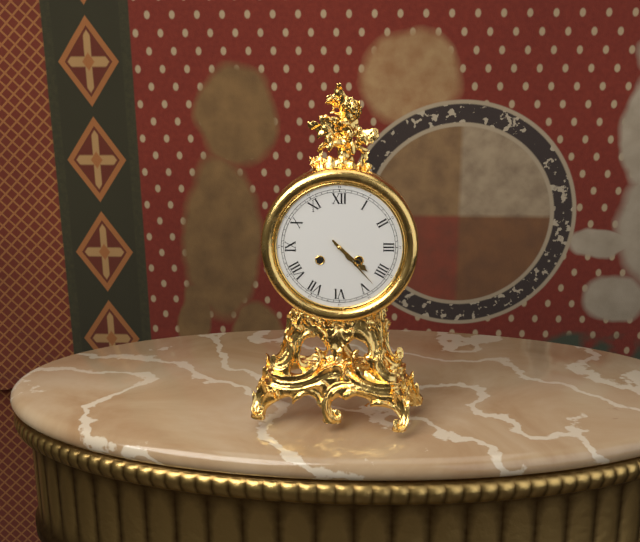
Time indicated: 4:23
